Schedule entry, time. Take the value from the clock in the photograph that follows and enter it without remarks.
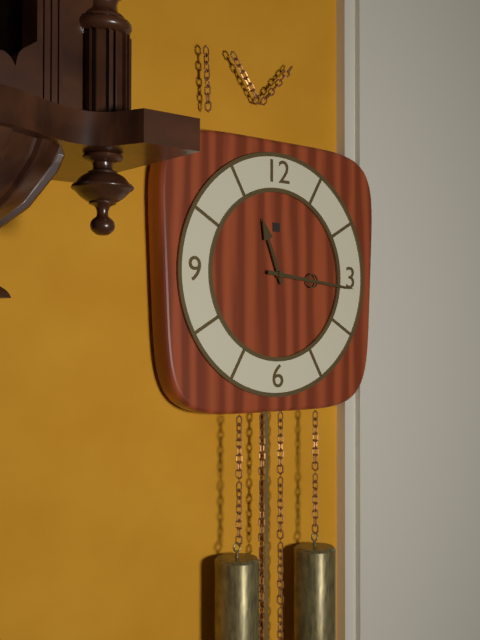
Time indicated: 11:16
